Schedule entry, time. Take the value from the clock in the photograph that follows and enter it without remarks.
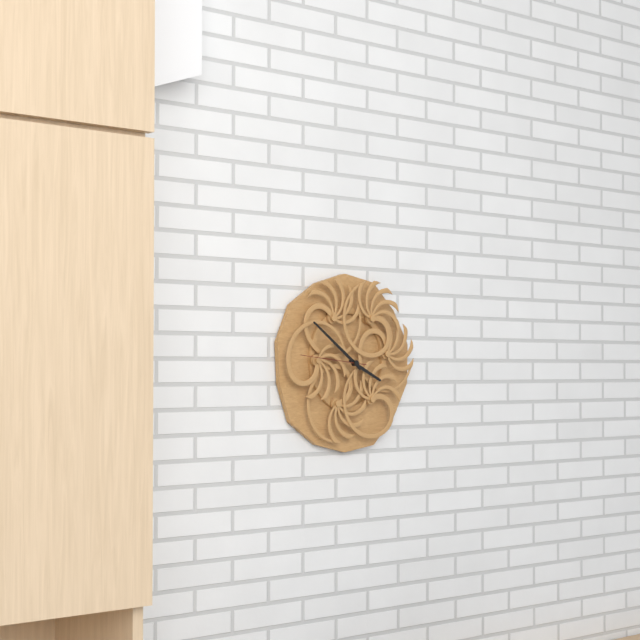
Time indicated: 3:51:46
